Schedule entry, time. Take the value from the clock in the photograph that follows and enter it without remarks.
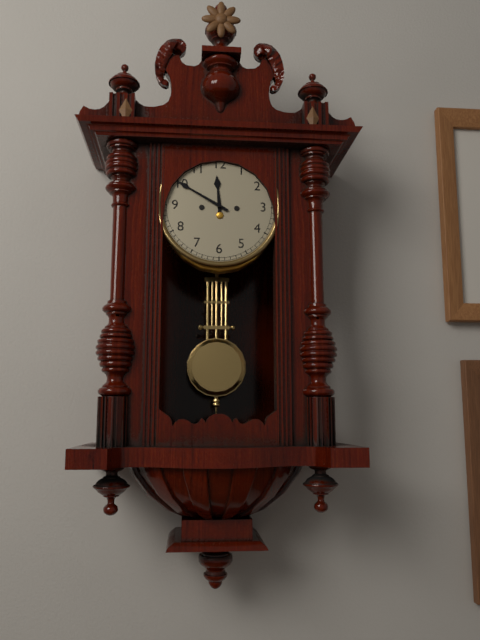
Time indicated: 11:50
